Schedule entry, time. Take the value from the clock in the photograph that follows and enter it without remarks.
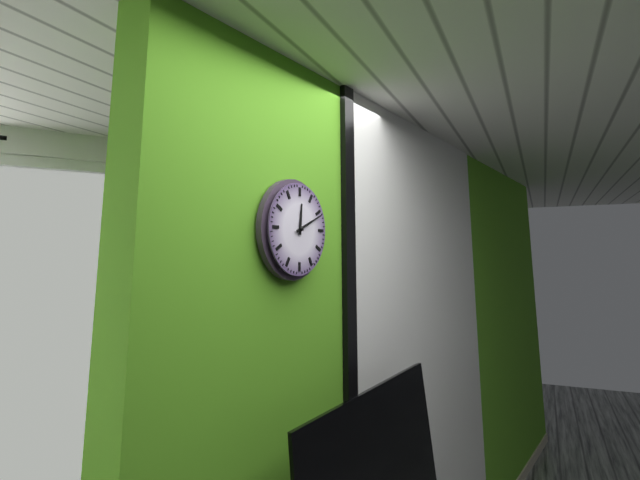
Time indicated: 12:11
